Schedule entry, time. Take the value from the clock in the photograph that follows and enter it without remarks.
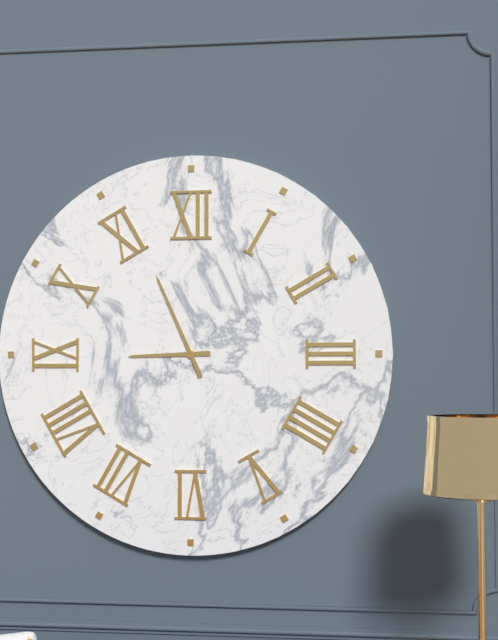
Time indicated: 8:56
